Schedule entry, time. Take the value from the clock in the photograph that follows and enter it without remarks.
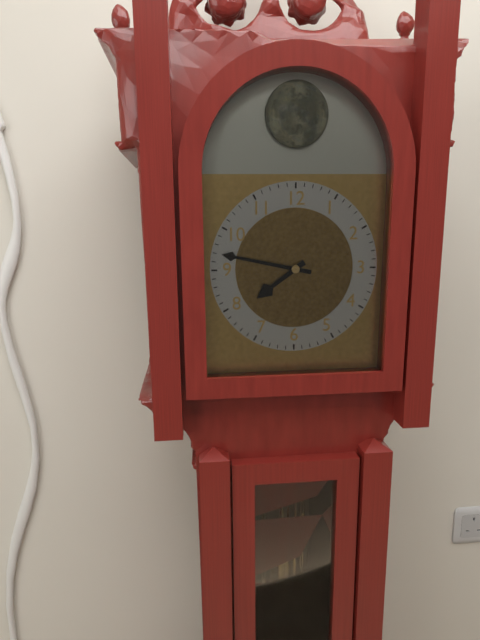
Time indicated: 7:47
